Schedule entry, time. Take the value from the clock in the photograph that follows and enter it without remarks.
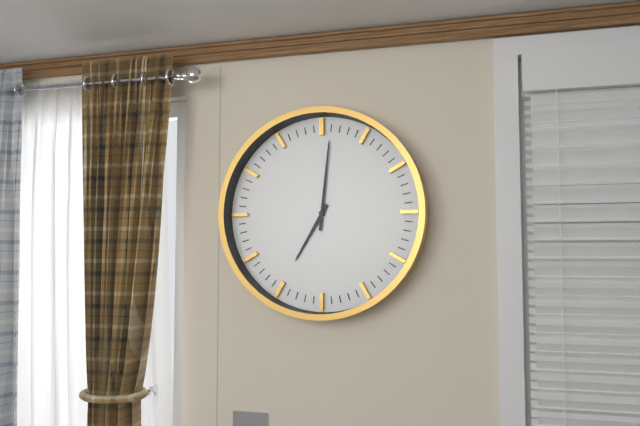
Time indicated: 7:01
